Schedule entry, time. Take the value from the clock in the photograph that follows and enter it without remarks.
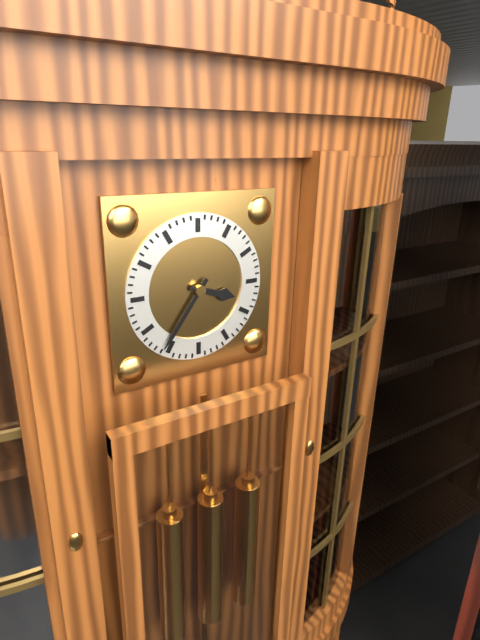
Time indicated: 3:36
